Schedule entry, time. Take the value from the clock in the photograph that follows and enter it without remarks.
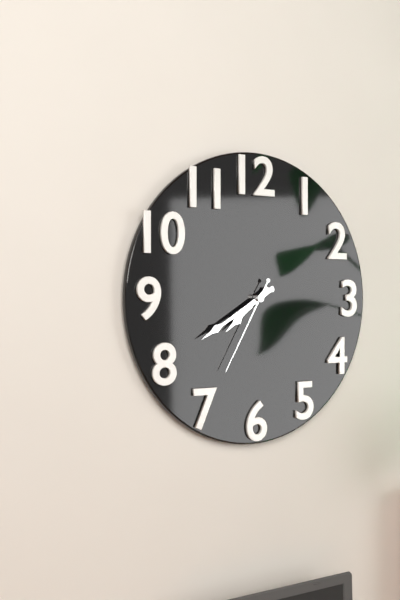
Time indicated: 7:40:35
